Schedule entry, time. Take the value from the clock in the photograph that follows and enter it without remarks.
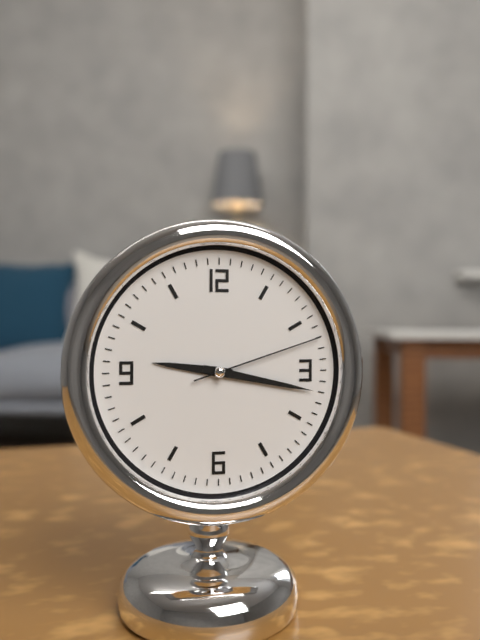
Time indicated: 9:17:12
